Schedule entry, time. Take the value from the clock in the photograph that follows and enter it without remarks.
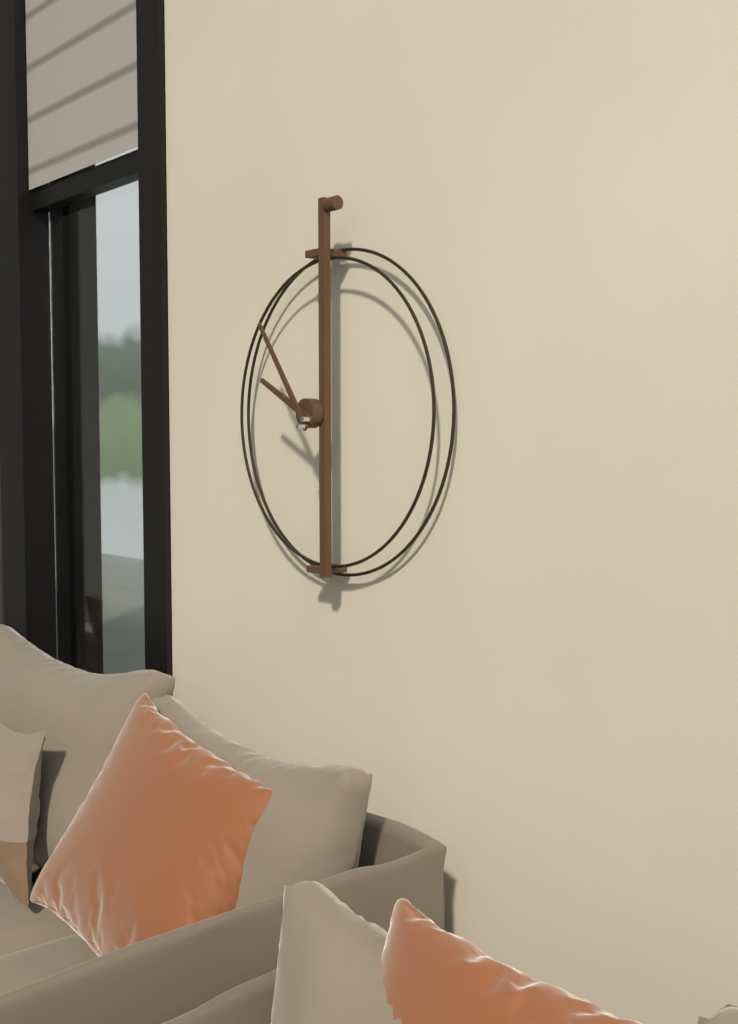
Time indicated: 9:54
